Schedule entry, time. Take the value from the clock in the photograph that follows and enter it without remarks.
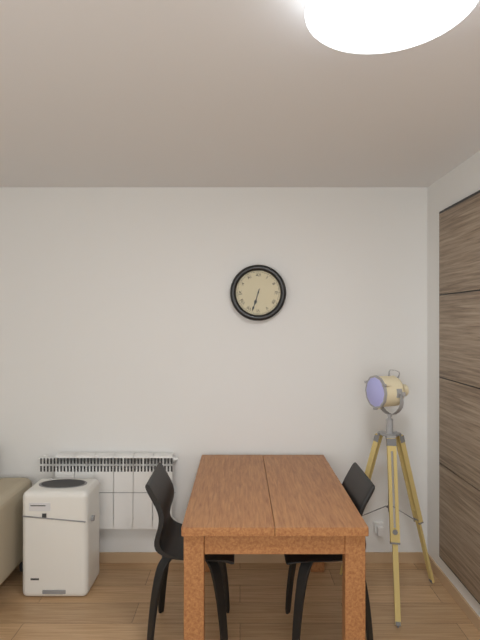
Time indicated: 6:33
